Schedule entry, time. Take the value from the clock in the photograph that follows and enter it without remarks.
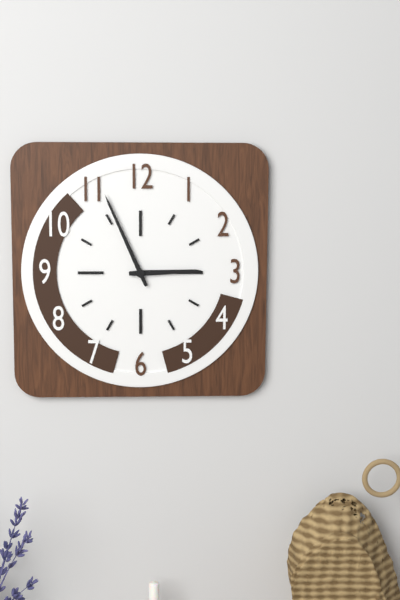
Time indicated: 2:56
